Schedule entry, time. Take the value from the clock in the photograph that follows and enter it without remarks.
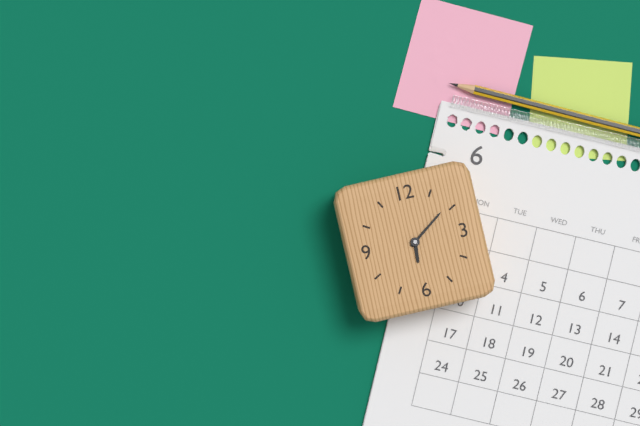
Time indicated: 6:09
